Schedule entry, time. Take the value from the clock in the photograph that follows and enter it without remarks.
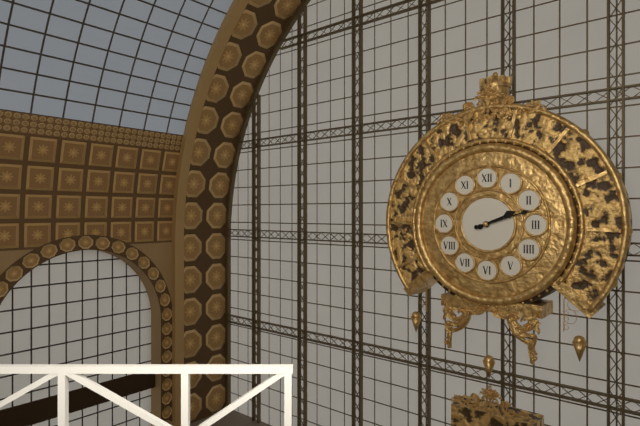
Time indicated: 2:12
